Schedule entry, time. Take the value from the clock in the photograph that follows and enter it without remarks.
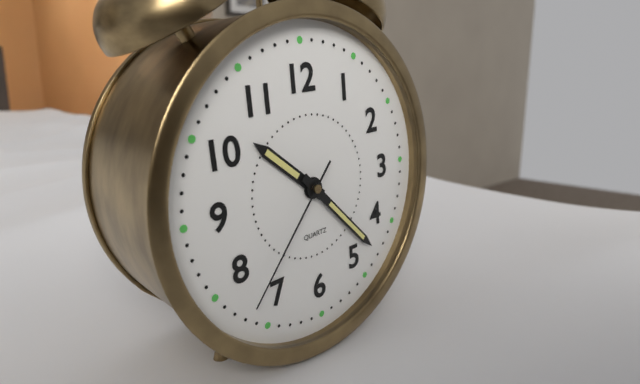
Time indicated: 10:23:37
